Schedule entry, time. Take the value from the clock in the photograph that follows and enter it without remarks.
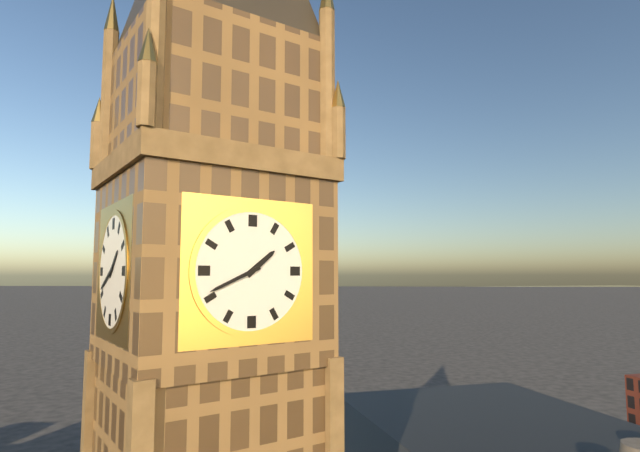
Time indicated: 1:41
